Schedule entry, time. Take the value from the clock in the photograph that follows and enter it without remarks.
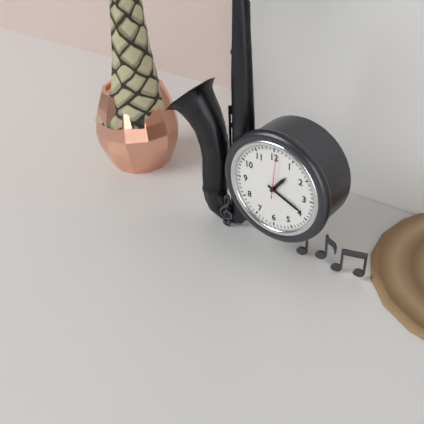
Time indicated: 1:19
